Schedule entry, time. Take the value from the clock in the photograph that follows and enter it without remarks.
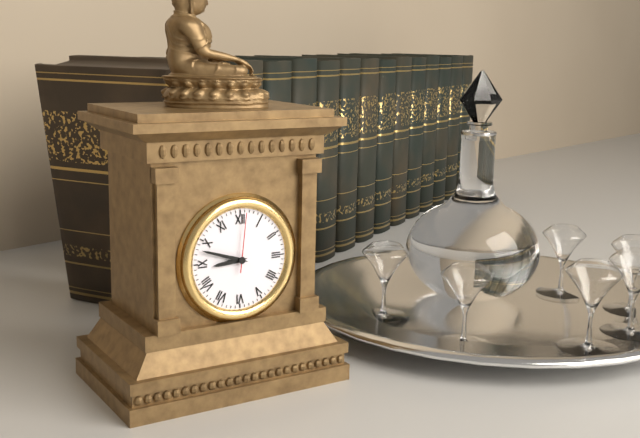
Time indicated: 8:48:01
